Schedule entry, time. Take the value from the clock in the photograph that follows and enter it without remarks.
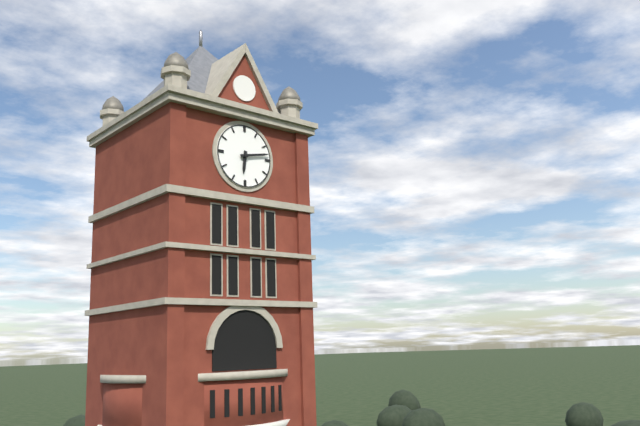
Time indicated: 6:13
